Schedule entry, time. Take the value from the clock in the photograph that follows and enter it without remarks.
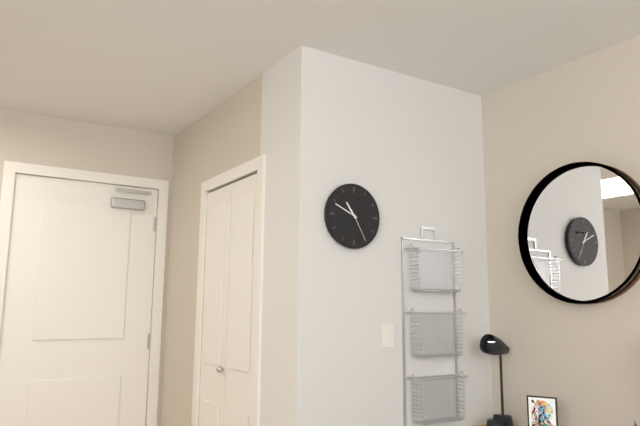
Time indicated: 10:49
